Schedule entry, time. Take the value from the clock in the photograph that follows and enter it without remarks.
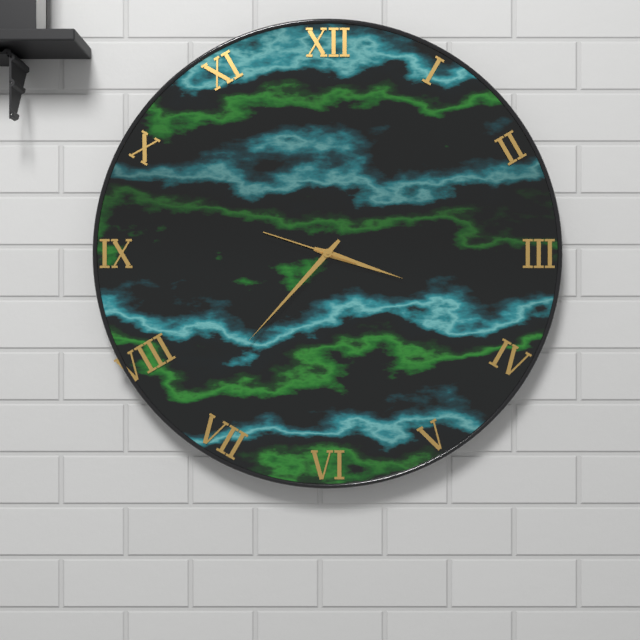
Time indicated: 3:37:48
